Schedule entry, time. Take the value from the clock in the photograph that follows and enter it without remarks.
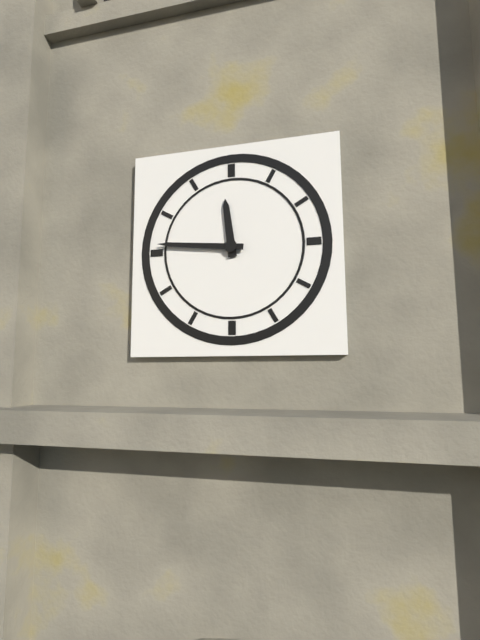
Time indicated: 11:46
